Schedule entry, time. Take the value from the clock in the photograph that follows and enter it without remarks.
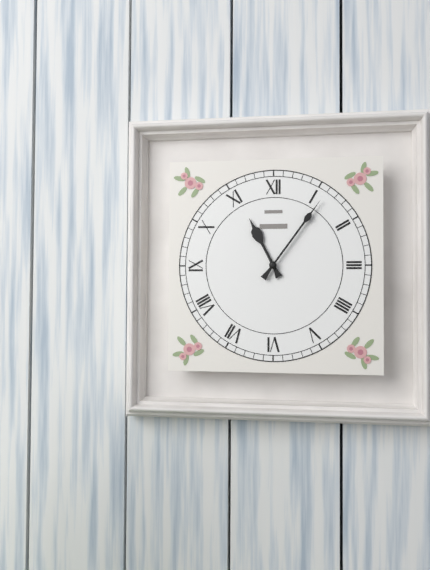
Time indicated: 11:06
